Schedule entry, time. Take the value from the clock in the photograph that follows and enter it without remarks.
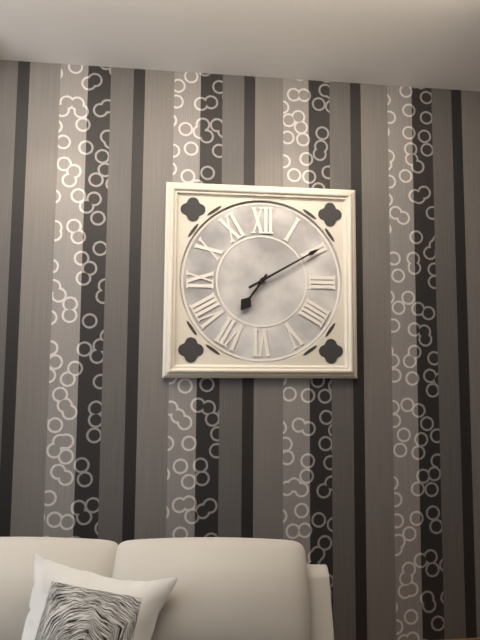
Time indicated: 7:10
